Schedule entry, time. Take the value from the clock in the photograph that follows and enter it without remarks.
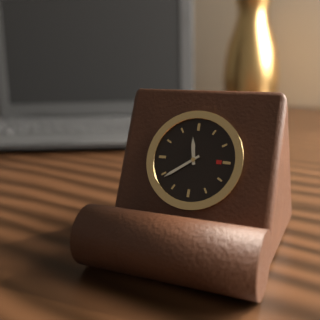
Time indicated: 11:39
